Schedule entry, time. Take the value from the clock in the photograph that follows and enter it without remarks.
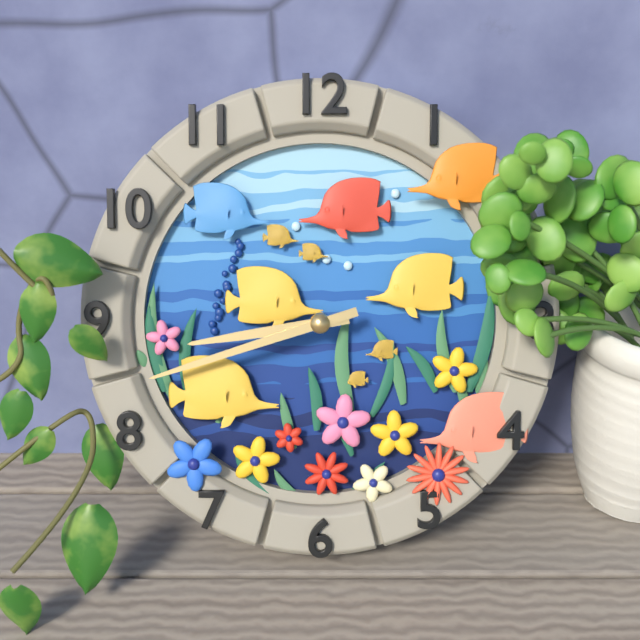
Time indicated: 8:42
